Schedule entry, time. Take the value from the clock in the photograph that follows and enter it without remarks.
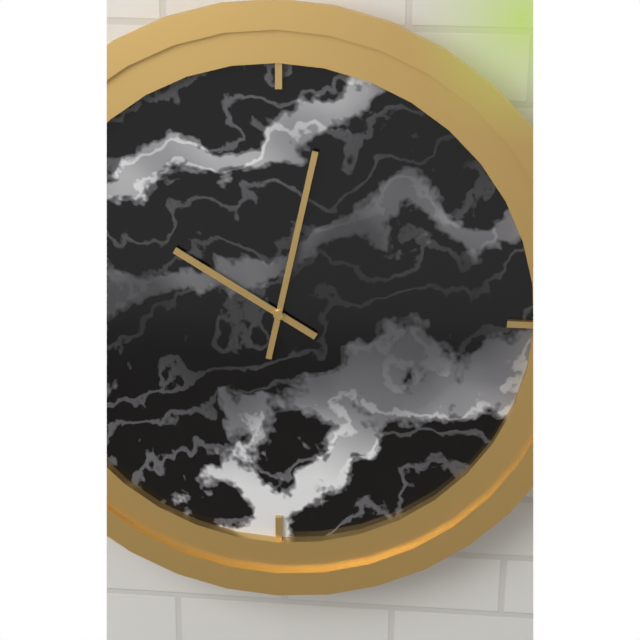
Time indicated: 10:02
